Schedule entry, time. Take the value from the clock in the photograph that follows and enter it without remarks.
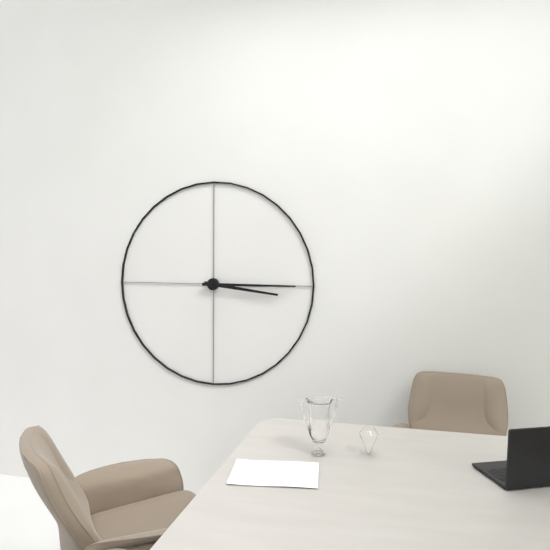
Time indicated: 3:15
